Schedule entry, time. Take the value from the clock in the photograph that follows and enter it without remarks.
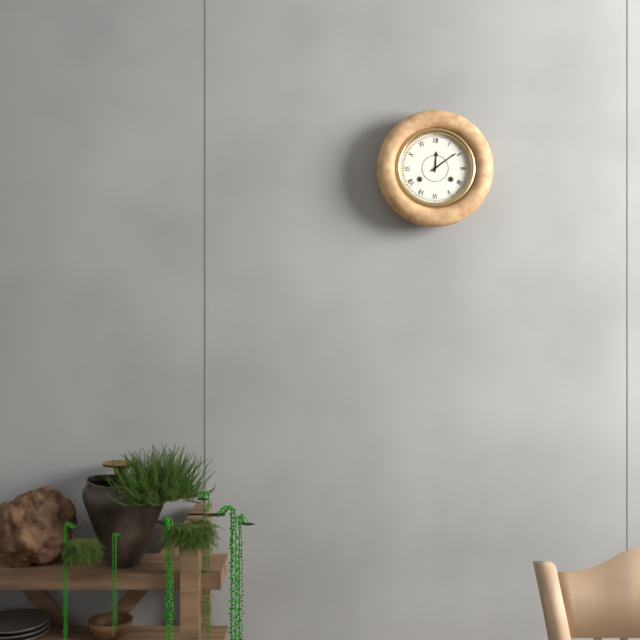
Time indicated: 12:09
